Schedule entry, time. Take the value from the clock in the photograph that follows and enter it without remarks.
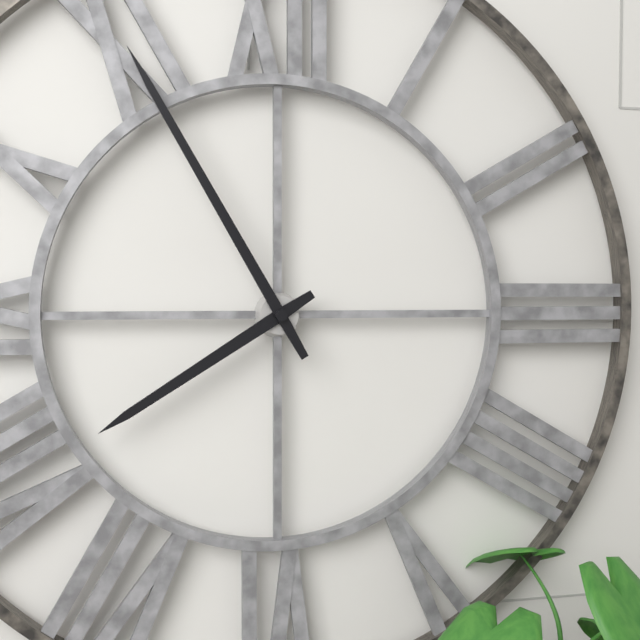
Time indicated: 7:55
